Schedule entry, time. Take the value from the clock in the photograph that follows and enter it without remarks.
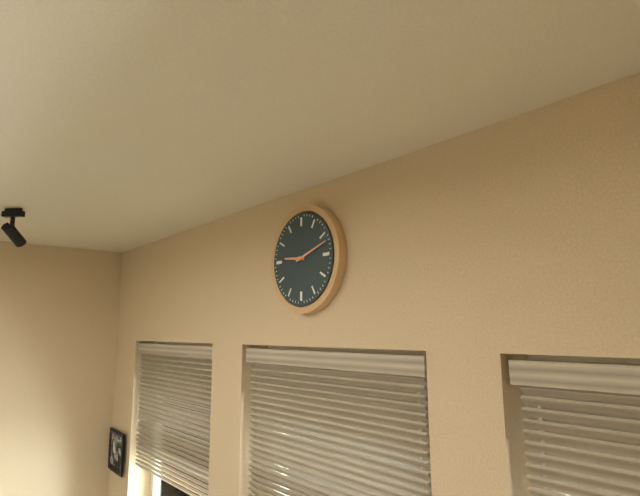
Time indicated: 9:12
